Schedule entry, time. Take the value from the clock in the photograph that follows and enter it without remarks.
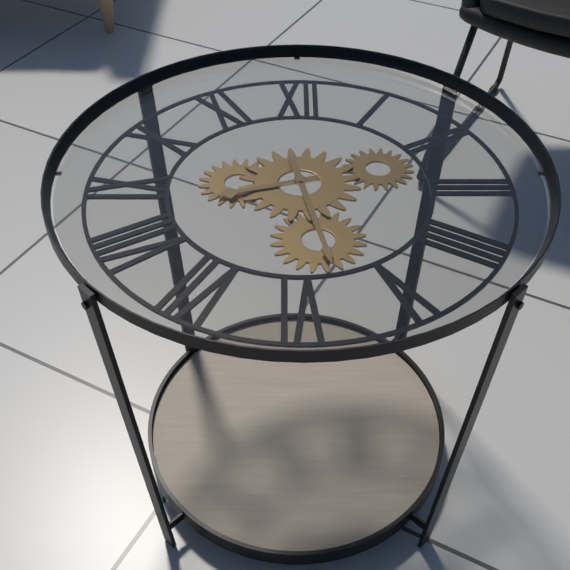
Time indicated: 8:28
